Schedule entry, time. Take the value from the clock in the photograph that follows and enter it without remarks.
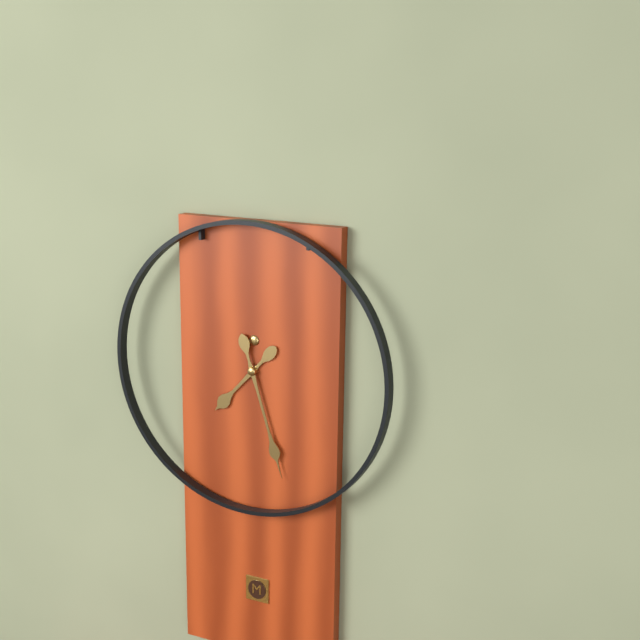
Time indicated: 7:27
